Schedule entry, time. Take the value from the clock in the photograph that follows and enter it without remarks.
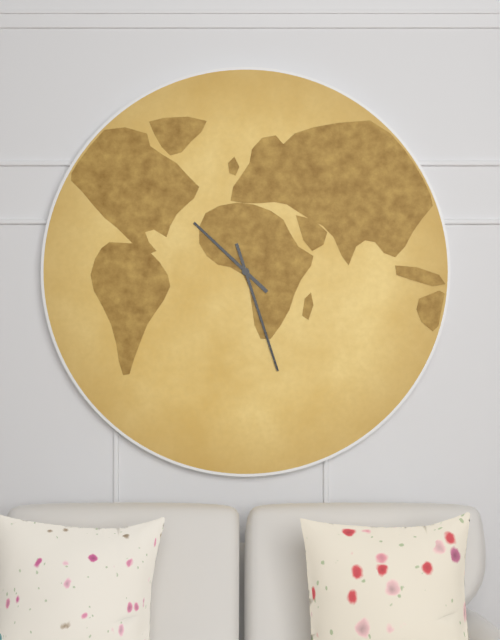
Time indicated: 10:27
